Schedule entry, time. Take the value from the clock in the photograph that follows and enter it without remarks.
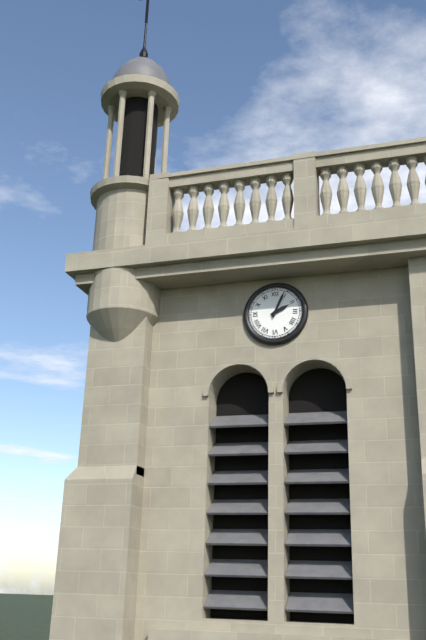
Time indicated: 2:04
